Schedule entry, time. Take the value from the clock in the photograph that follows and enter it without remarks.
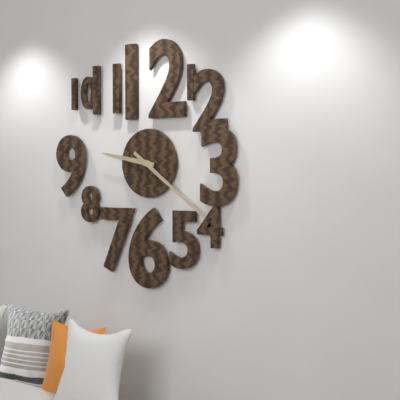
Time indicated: 9:21
